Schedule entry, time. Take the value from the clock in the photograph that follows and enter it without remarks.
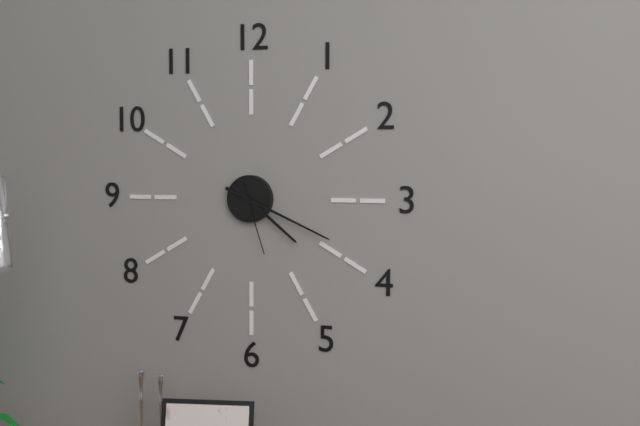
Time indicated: 4:19:27
